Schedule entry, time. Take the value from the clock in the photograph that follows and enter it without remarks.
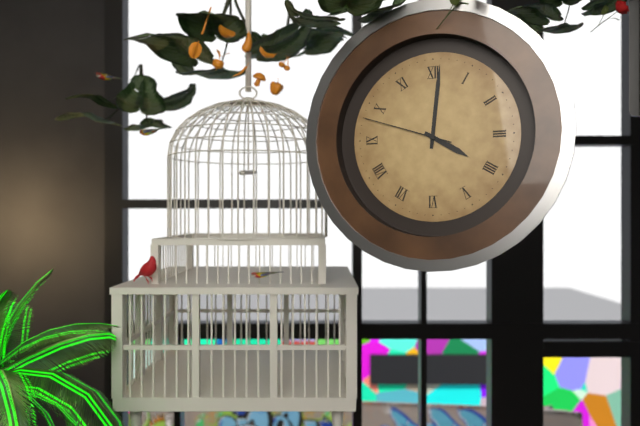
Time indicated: 4:01:48
